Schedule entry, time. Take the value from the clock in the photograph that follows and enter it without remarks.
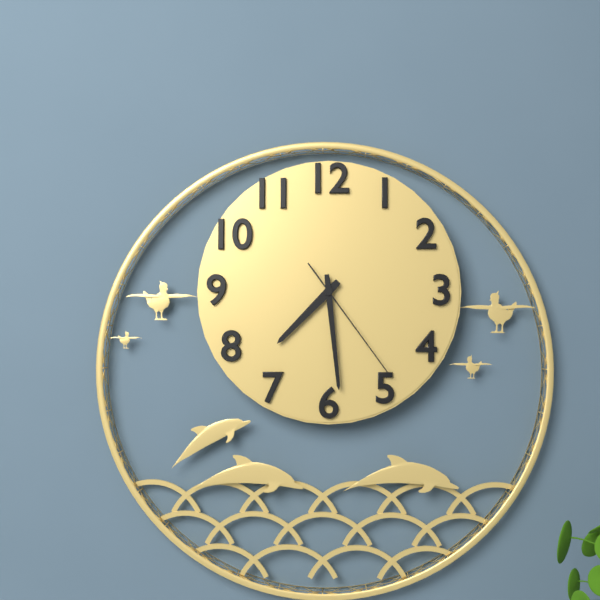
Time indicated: 7:29:24
